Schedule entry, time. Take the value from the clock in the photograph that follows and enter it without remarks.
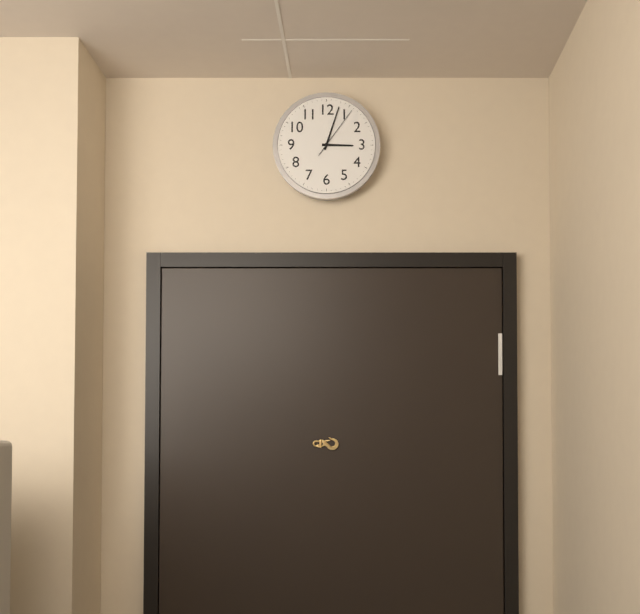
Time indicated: 3:03:06
